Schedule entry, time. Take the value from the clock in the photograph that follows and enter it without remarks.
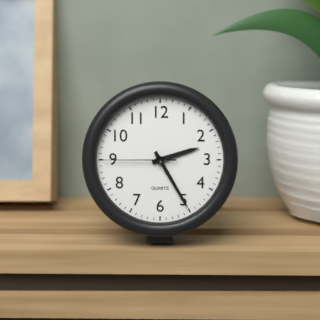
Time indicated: 2:25:45
